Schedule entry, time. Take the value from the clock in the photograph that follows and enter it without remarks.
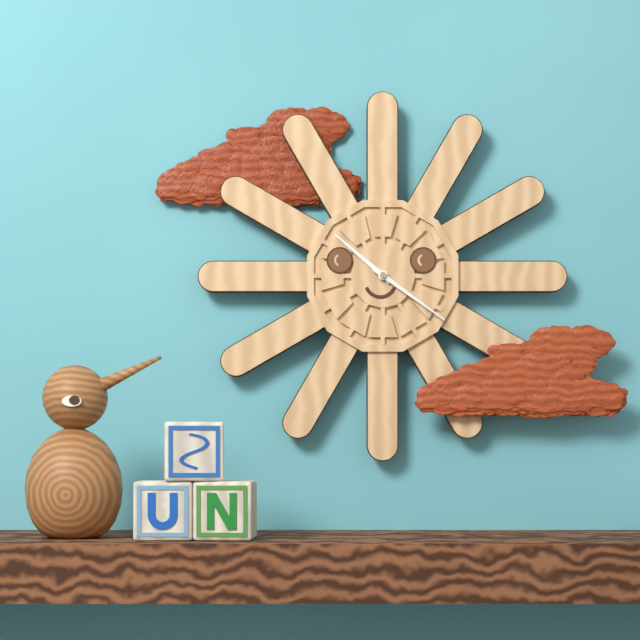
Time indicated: 10:21
